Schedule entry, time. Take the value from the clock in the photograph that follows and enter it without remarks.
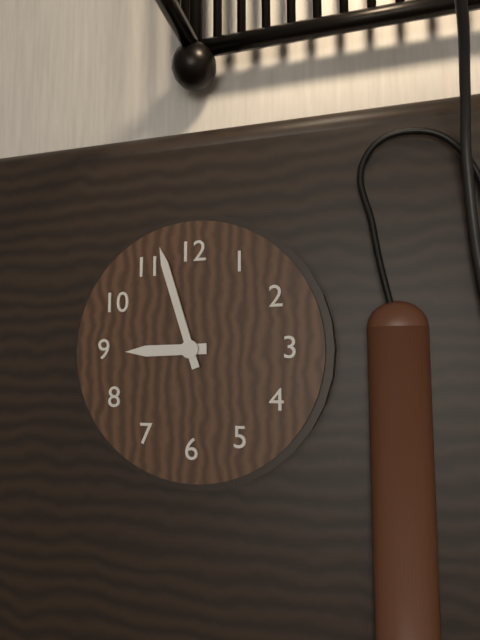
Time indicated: 8:57
